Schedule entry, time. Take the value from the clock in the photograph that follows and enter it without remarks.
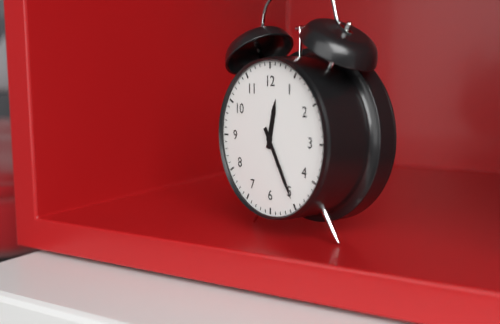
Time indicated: 12:25
